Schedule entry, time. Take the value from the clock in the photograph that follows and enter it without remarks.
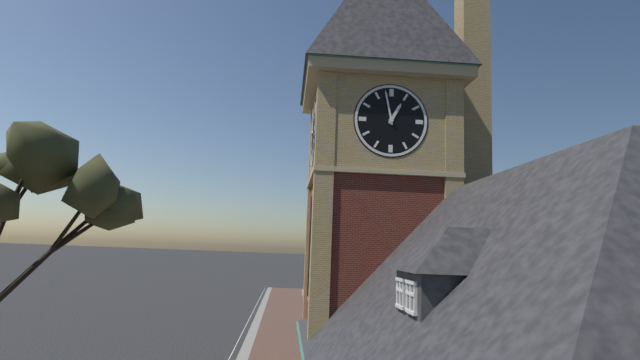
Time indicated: 12:58
